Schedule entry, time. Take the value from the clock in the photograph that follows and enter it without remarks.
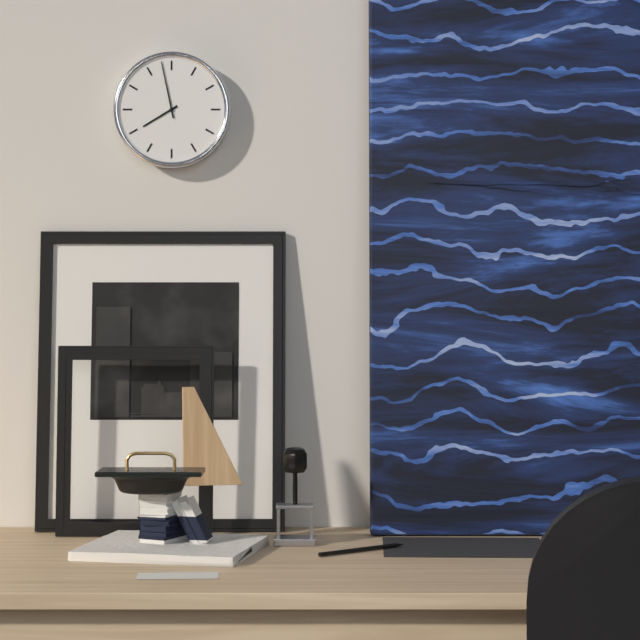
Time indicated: 7:58
